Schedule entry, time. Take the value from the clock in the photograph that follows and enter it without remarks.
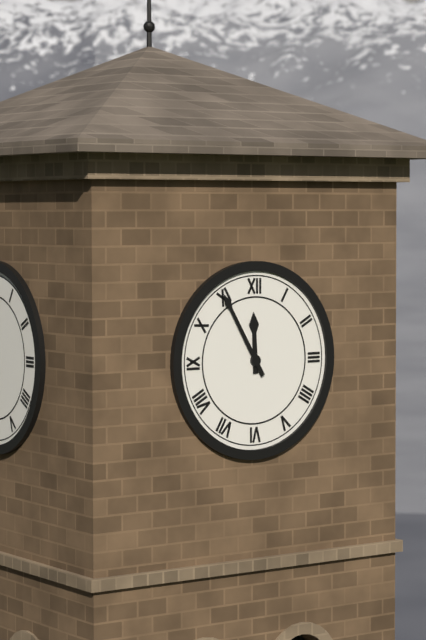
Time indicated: 11:55
